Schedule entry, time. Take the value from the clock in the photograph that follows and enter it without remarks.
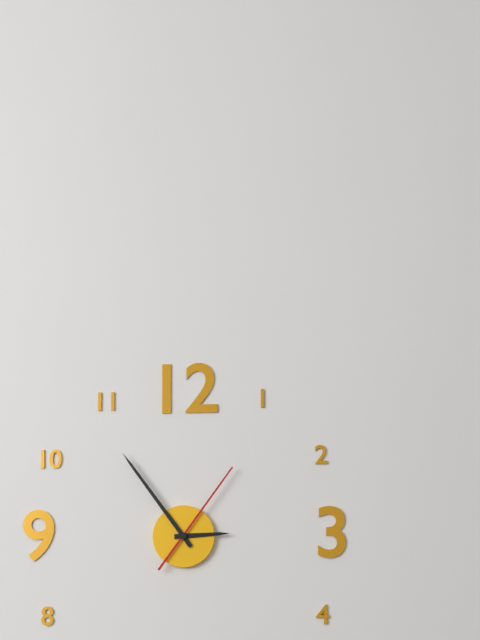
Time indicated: 2:54:06
